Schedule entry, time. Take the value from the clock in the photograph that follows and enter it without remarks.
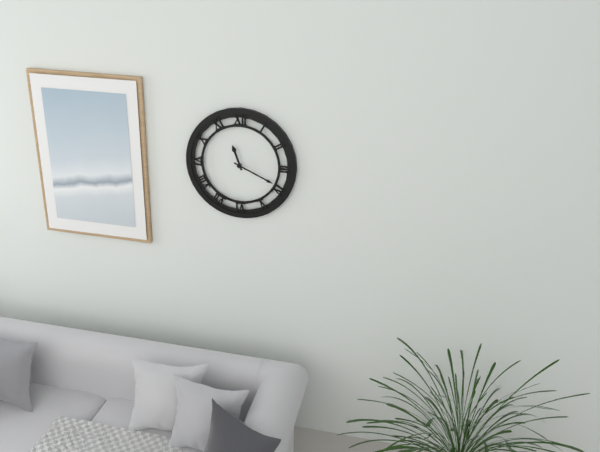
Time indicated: 11:19
